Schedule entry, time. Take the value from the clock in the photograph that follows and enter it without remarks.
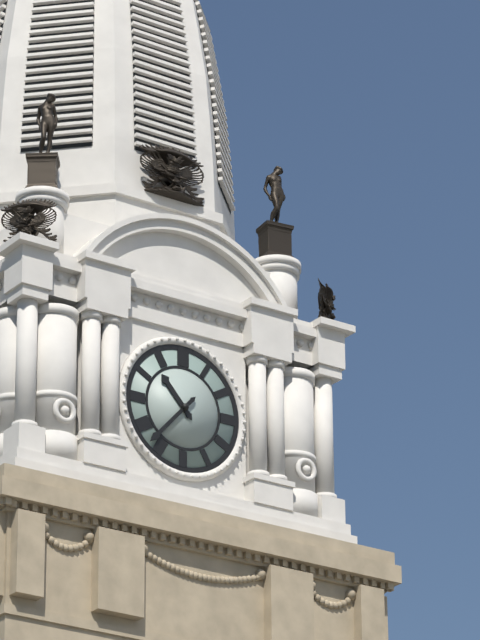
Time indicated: 10:37
